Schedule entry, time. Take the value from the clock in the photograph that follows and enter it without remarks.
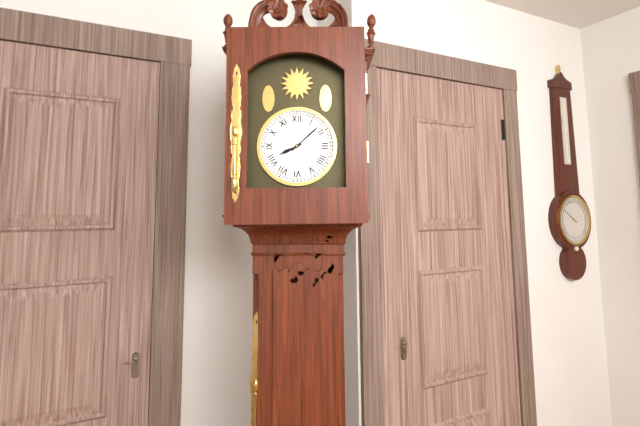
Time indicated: 8:08
